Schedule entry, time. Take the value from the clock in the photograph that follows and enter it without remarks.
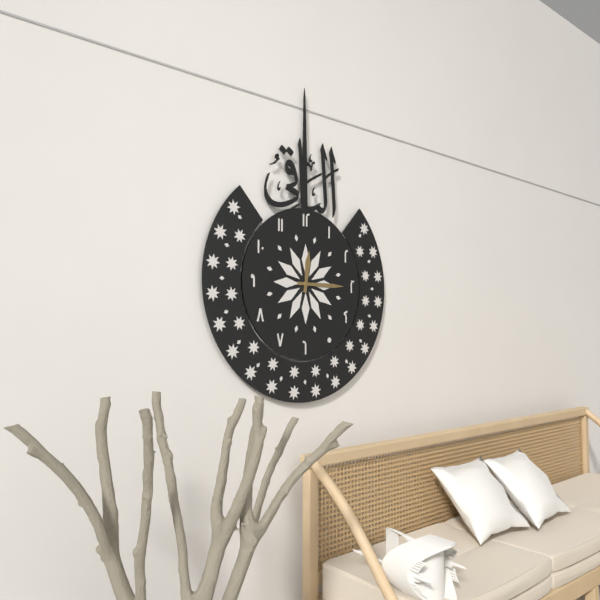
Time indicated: 12:15
